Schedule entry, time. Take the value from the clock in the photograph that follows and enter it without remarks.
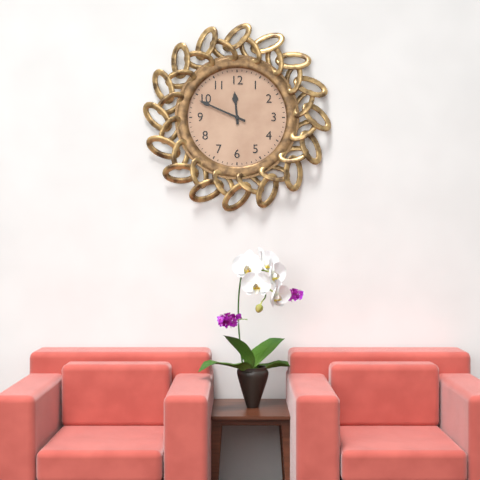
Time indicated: 11:49
